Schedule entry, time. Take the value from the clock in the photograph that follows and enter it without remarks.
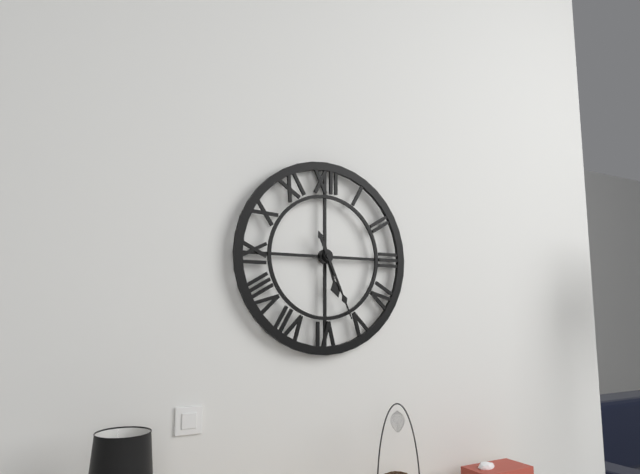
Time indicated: 5:26
